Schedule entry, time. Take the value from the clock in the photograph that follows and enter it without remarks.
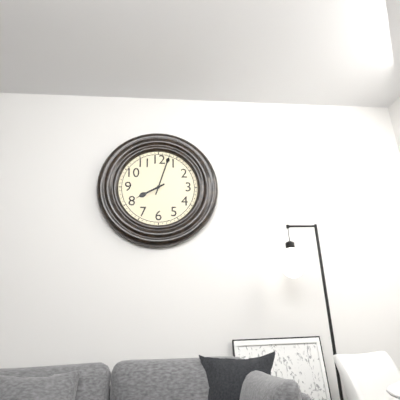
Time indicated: 8:03
